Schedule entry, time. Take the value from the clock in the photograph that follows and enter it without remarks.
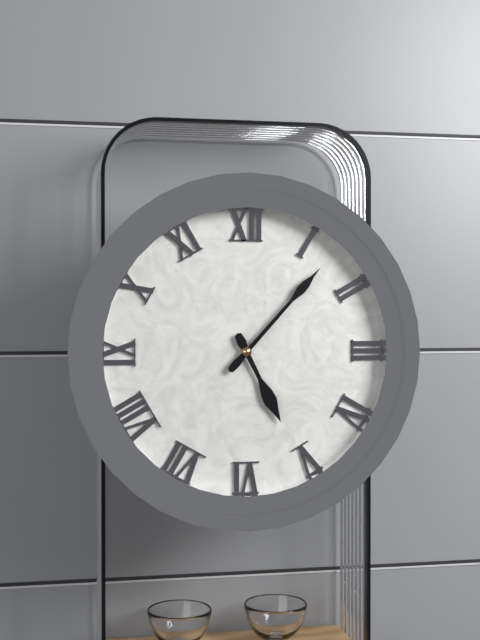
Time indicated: 5:07
